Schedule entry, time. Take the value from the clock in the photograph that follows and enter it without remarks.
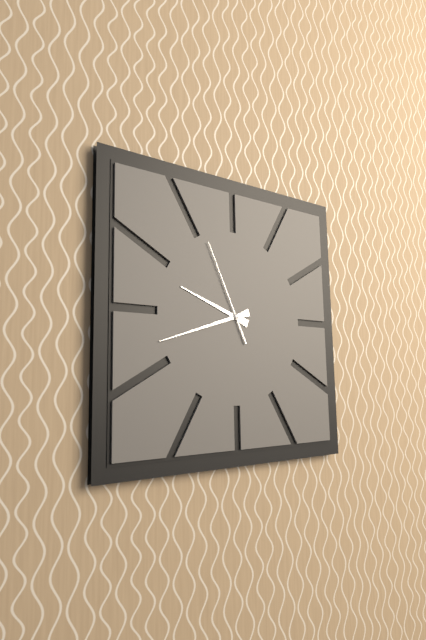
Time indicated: 9:42:56
